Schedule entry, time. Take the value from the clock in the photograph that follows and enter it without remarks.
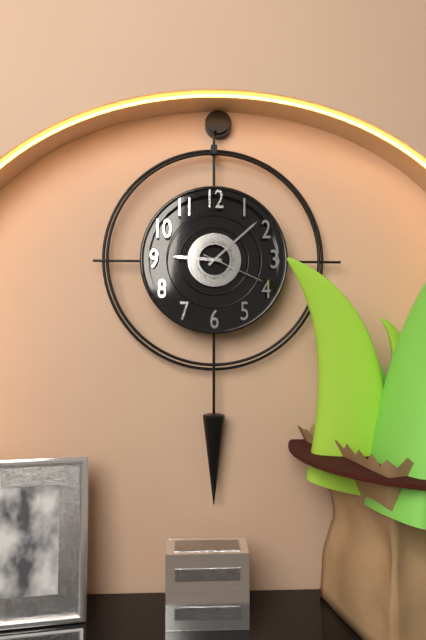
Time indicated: 9:08:19
